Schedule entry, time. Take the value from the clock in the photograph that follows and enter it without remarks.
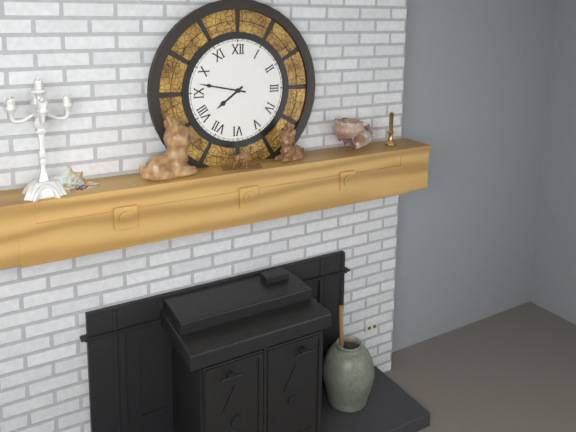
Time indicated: 7:47
